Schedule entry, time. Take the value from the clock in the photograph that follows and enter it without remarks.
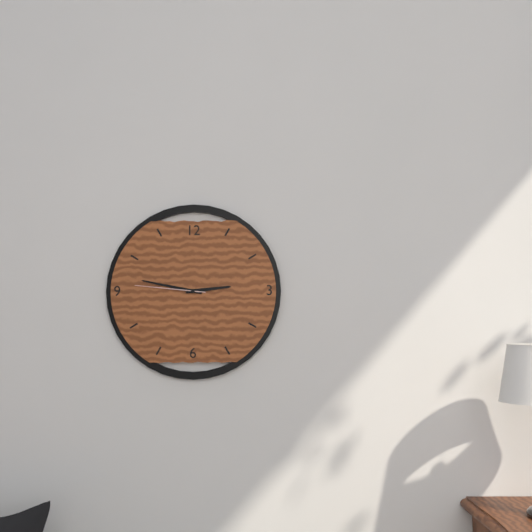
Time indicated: 2:47:46
